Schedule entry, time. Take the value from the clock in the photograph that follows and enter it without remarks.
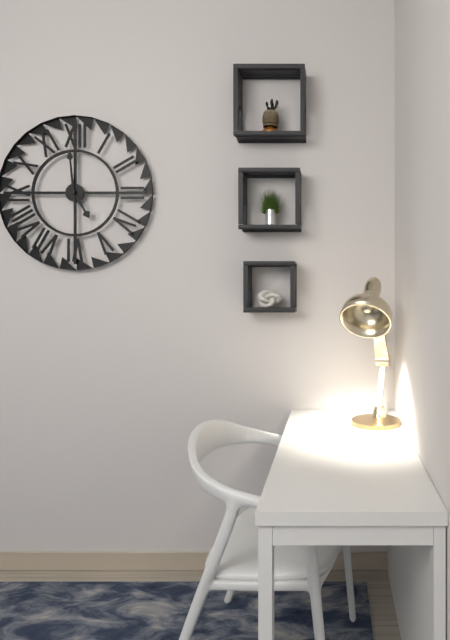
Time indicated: 4:59
